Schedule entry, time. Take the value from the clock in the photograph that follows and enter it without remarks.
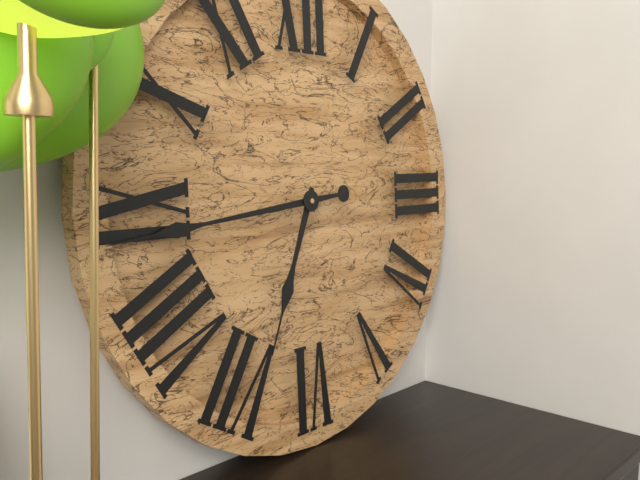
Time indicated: 6:44
